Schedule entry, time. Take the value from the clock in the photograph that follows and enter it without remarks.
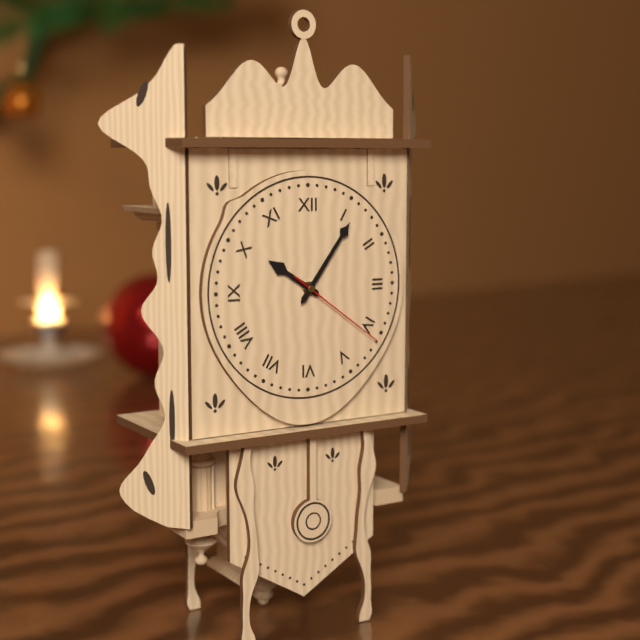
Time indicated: 10:06:21
